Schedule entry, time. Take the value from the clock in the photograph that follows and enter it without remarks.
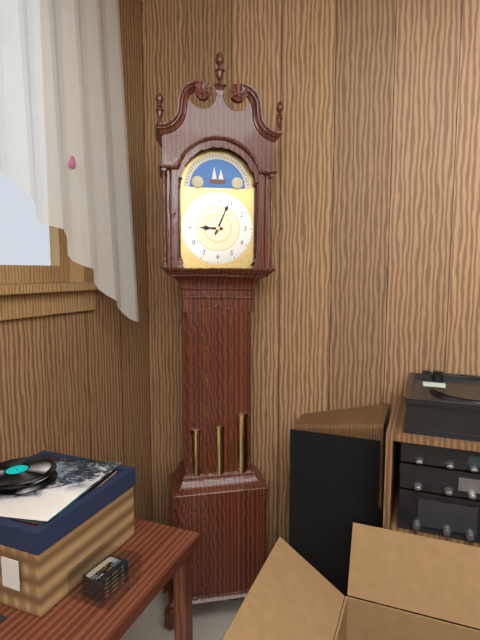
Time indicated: 9:04
